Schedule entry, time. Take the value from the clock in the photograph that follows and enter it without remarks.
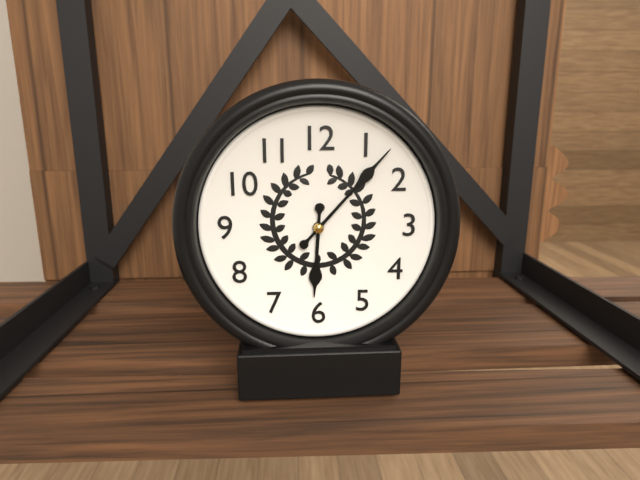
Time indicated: 6:07
